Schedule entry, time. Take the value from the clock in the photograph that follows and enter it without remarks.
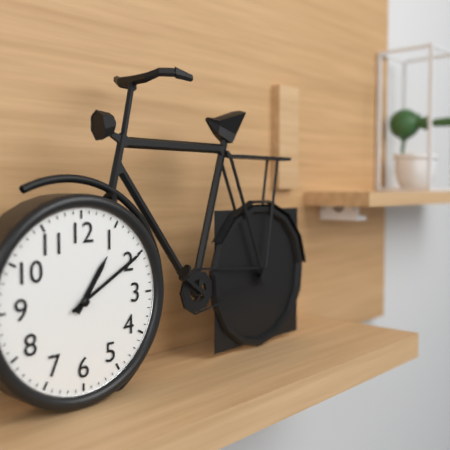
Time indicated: 1:10
